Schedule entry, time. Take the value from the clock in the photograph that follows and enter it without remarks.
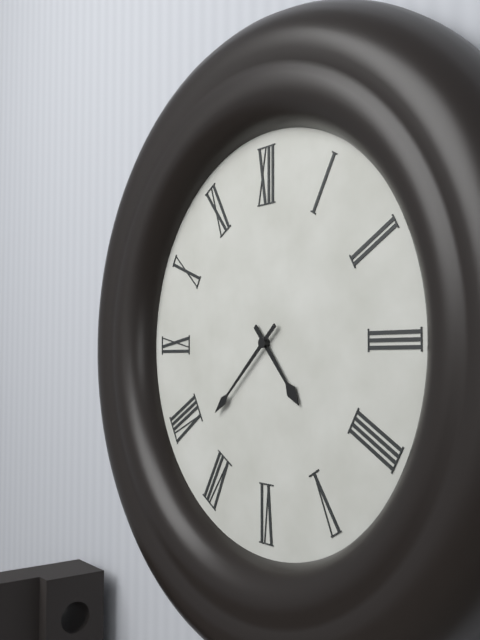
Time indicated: 4:38
